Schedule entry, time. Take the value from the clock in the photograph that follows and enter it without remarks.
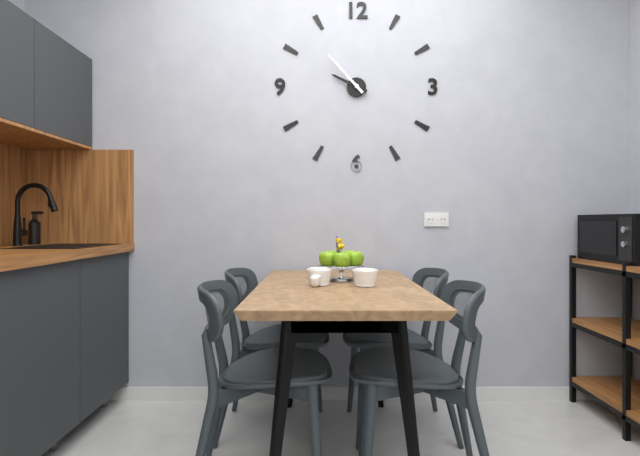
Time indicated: 9:53
